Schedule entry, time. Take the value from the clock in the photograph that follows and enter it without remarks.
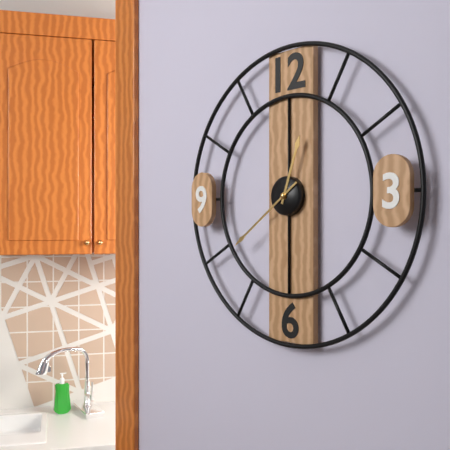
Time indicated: 12:39
